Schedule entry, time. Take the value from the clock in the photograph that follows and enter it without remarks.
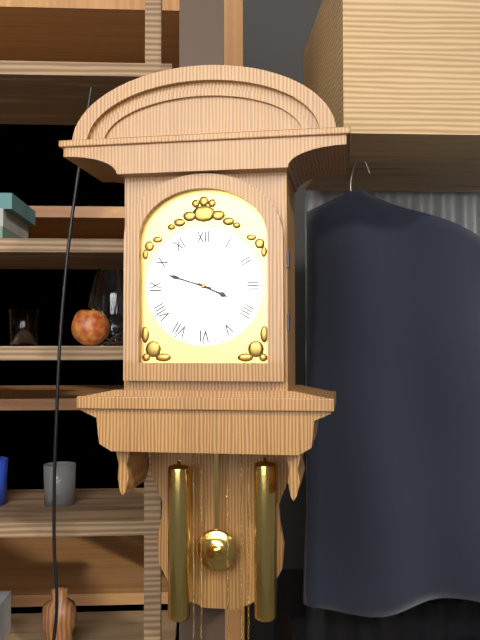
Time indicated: 3:48
